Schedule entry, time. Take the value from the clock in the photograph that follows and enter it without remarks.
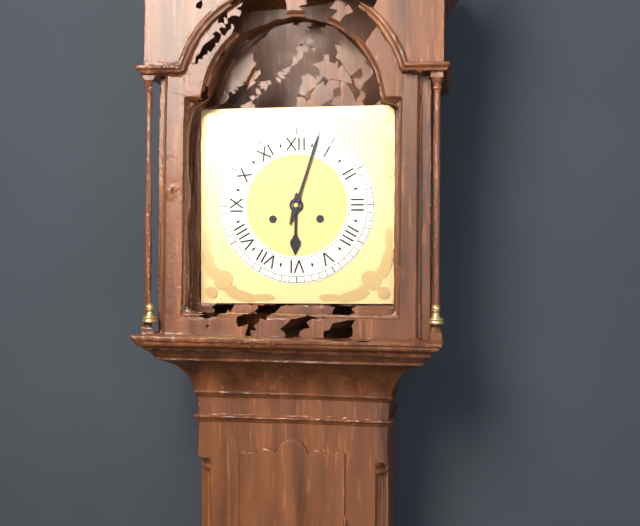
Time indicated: 6:03
